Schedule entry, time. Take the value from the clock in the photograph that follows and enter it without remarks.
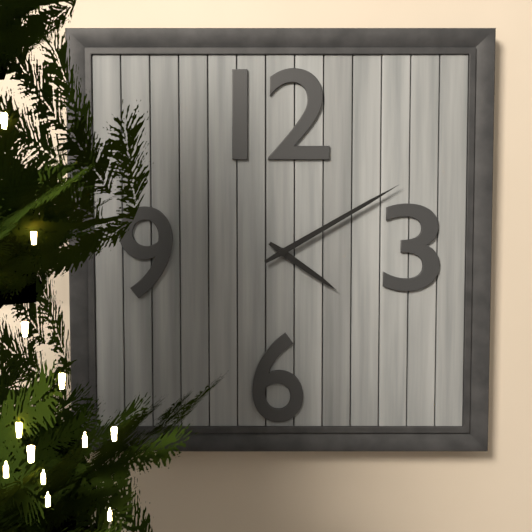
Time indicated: 4:10
